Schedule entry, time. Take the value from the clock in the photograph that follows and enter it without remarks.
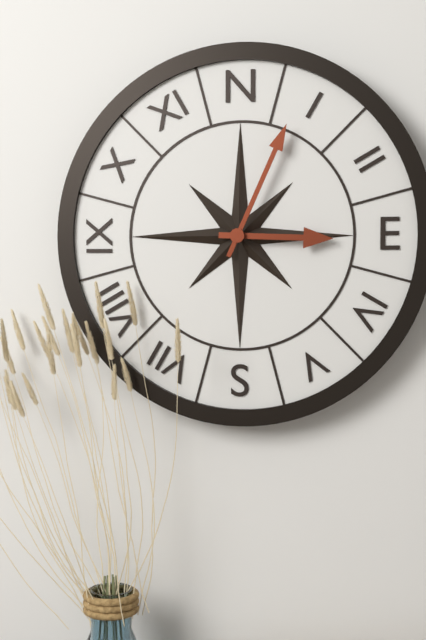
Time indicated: 3:04
